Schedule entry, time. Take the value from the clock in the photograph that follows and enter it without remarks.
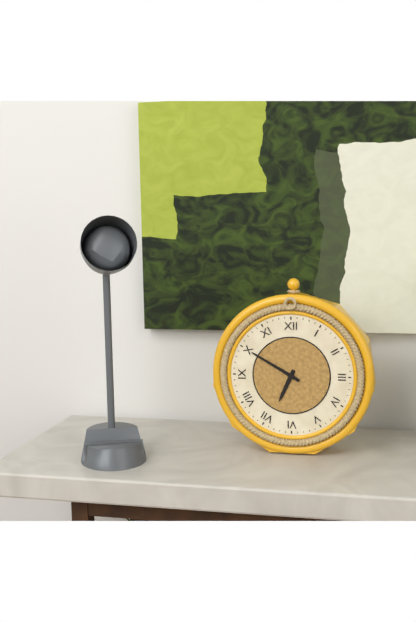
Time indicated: 6:50
